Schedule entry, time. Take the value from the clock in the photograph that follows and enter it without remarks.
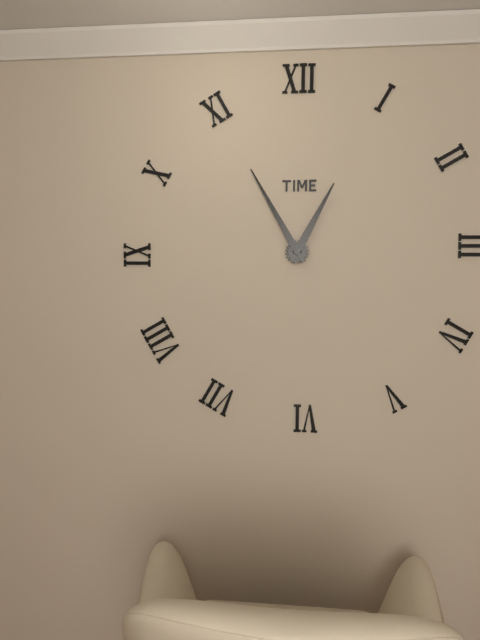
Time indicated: 12:55
